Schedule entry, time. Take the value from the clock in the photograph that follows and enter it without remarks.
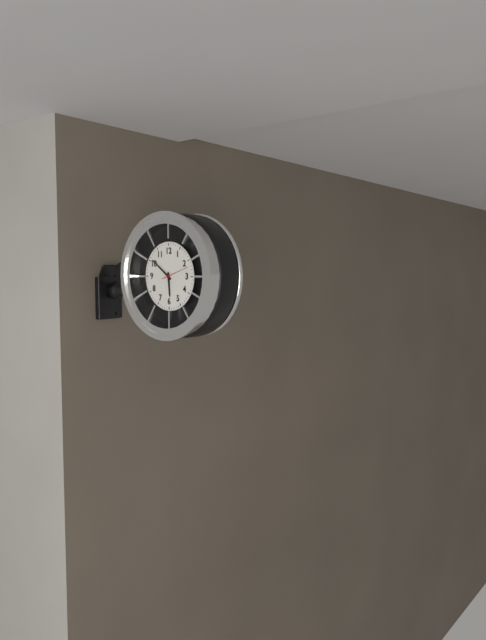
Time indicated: 5:51
